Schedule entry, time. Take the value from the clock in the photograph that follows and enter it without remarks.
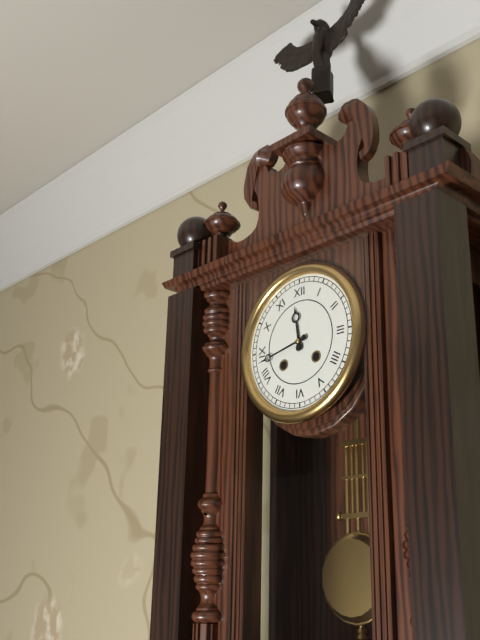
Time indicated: 11:43
